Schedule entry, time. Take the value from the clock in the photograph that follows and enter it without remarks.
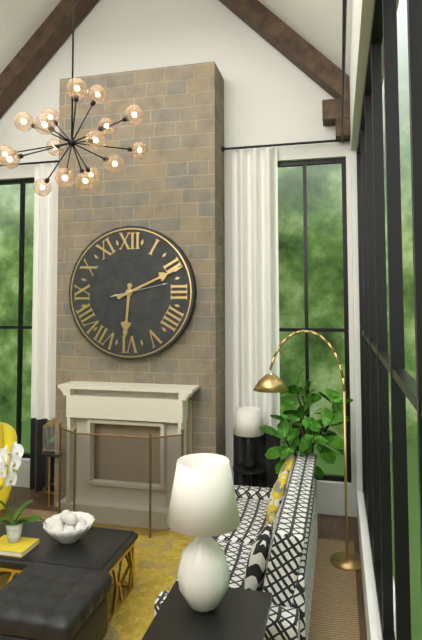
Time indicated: 6:11
